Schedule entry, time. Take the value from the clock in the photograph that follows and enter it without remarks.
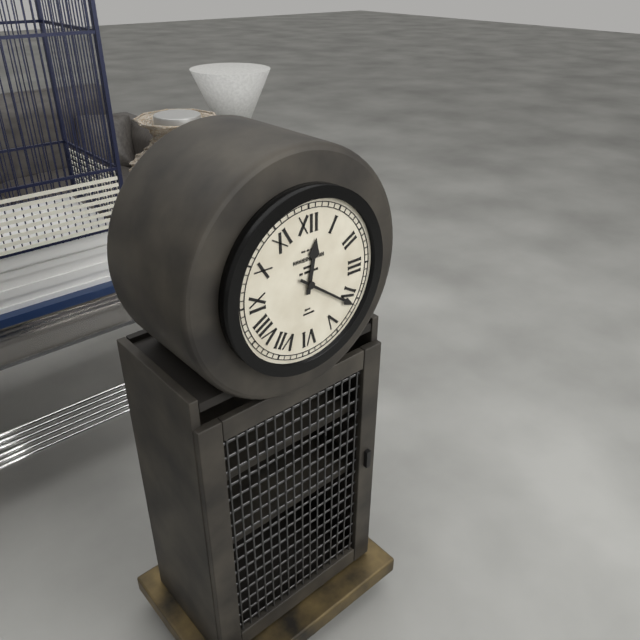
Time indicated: 12:21
